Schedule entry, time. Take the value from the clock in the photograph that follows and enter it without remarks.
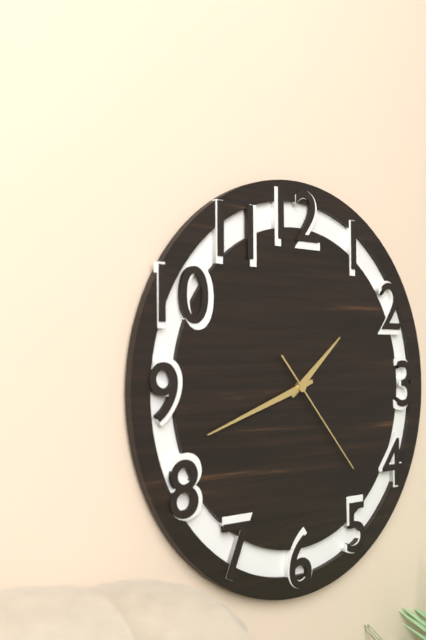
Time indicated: 1:42:23
